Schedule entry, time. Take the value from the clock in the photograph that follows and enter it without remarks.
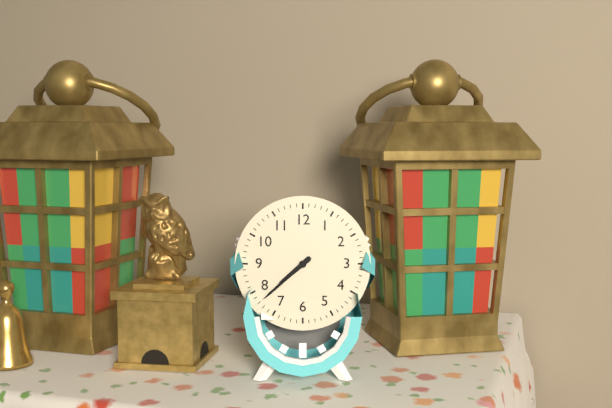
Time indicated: 7:38
